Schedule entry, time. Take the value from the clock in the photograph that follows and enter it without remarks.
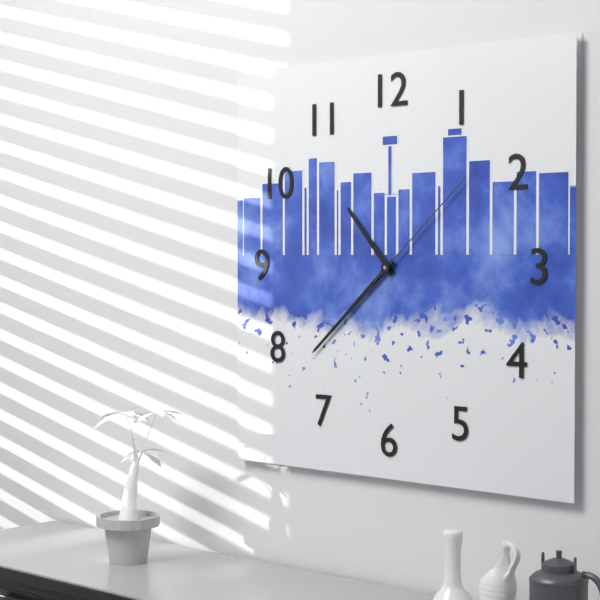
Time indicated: 10:38:08
